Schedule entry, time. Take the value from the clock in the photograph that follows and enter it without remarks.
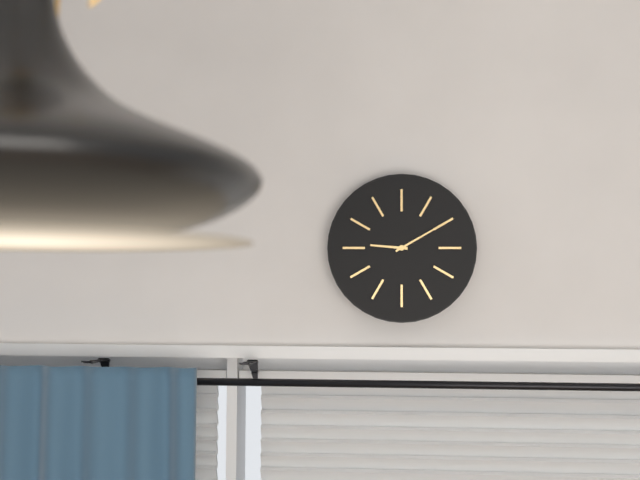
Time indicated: 9:10
